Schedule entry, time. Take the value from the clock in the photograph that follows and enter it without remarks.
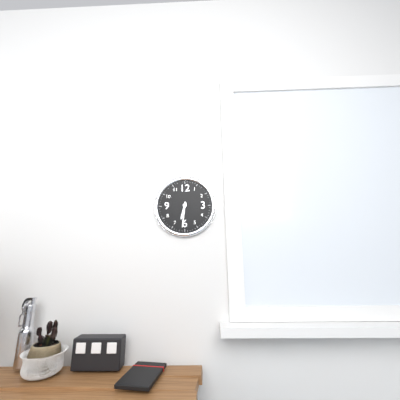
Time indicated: 6:31
